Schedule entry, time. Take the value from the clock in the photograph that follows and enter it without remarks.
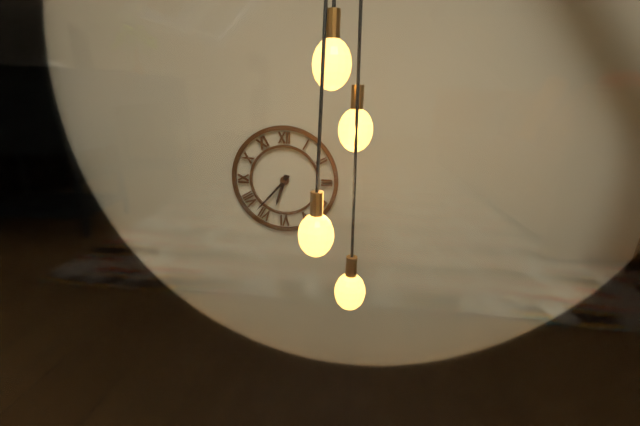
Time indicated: 6:37
